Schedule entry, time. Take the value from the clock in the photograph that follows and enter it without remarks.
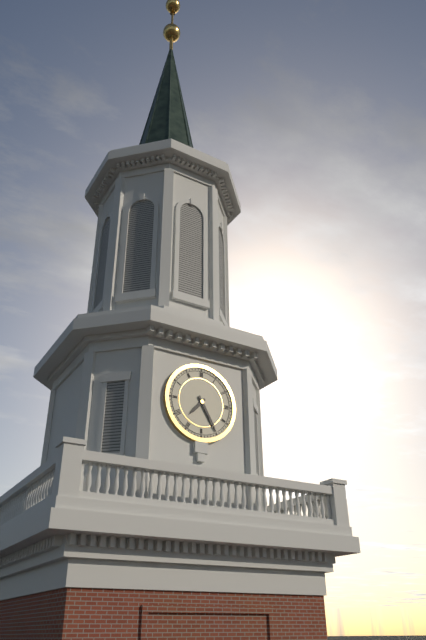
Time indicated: 7:25
